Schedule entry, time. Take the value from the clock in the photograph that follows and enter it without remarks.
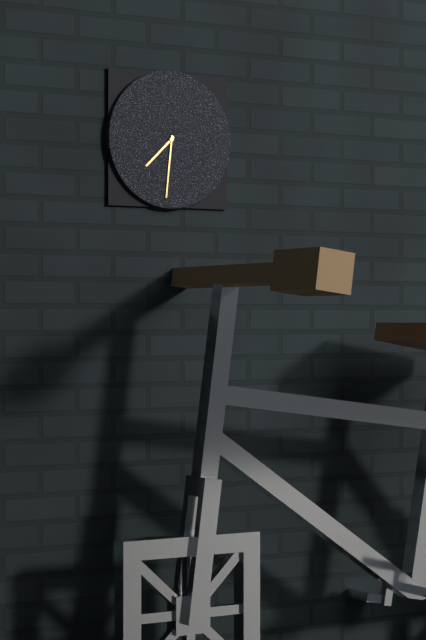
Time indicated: 7:31
